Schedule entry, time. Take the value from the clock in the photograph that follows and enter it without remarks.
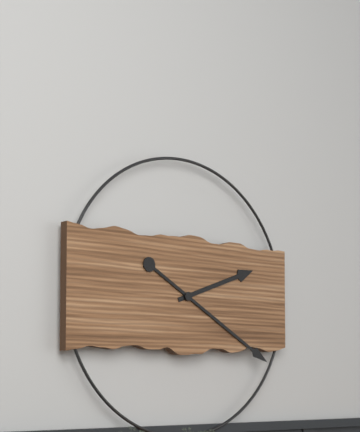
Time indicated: 2:20
